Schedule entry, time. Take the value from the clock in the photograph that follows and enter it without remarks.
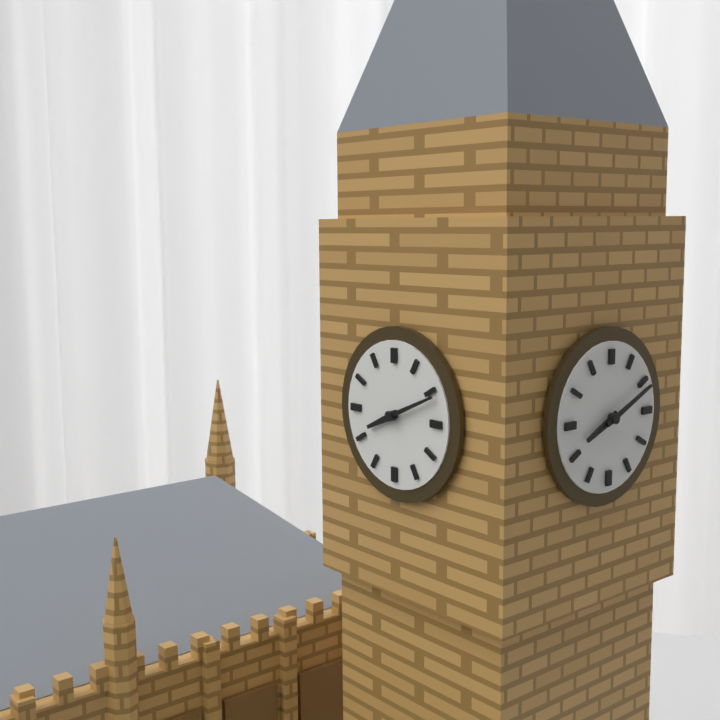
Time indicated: 8:11
